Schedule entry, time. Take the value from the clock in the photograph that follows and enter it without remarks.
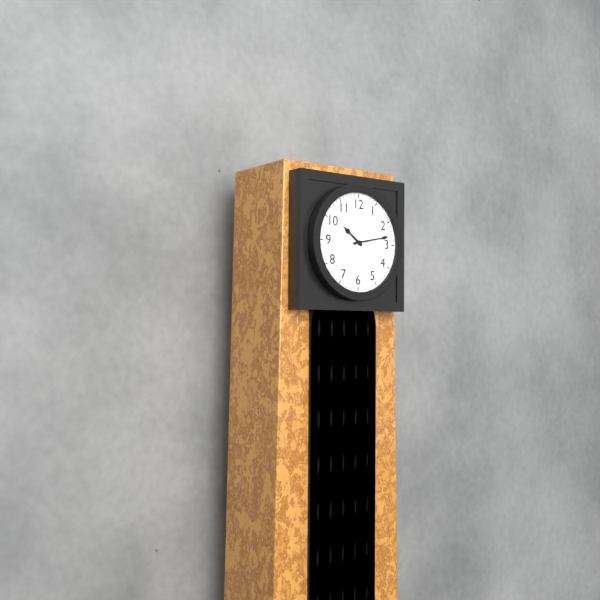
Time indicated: 10:13
